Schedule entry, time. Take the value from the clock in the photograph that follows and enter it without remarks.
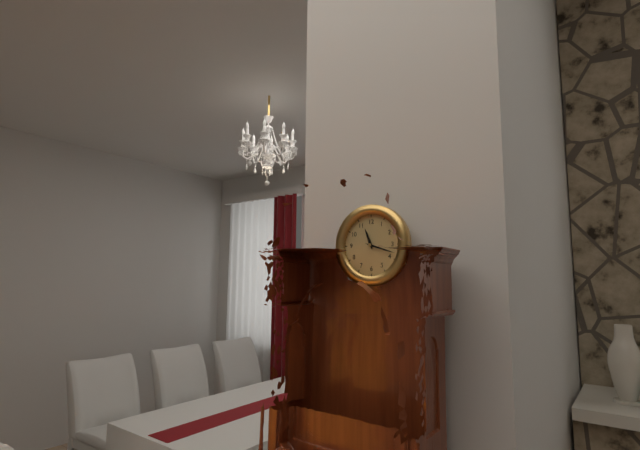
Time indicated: 11:18
